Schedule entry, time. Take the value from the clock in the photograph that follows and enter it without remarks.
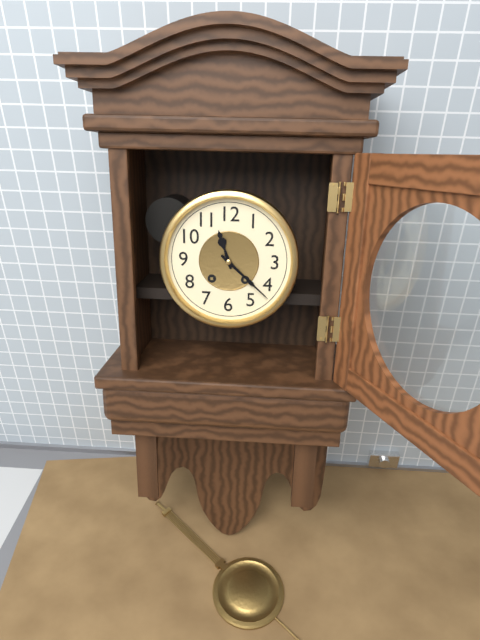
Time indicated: 11:22
